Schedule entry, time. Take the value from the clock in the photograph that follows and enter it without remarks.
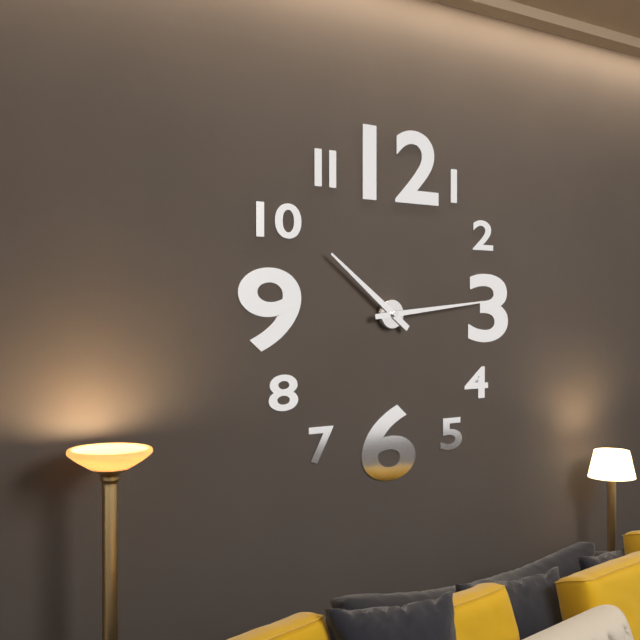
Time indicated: 10:14
